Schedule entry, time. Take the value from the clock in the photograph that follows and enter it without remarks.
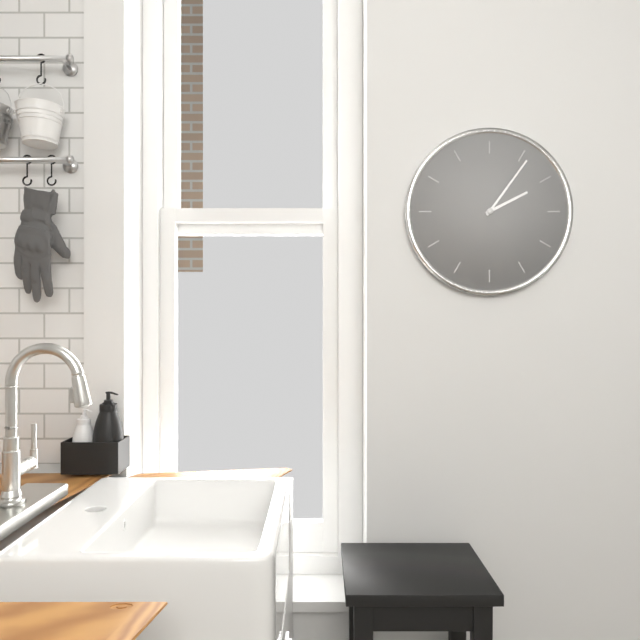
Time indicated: 2:06
